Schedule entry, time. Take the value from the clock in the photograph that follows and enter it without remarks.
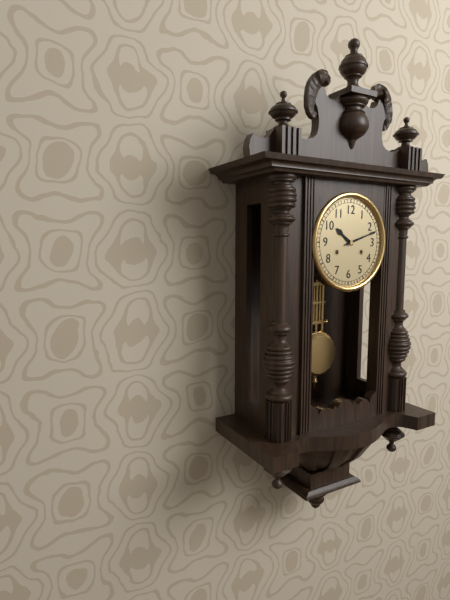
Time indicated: 10:12
